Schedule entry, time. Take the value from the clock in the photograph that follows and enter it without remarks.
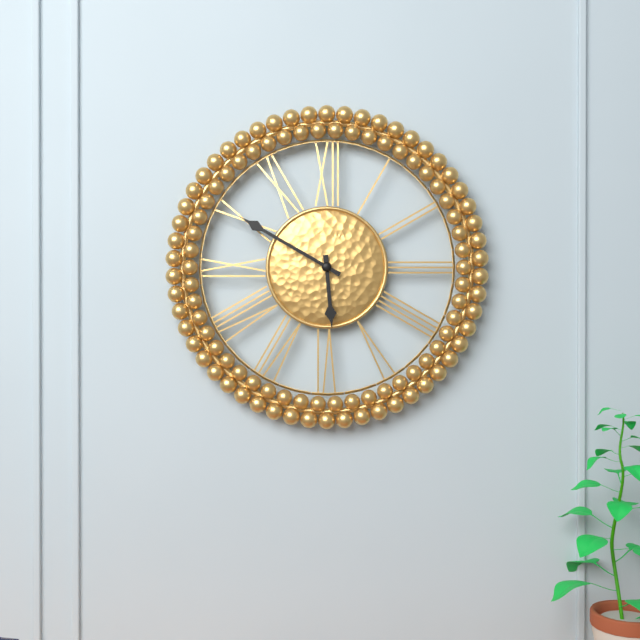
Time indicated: 5:50
